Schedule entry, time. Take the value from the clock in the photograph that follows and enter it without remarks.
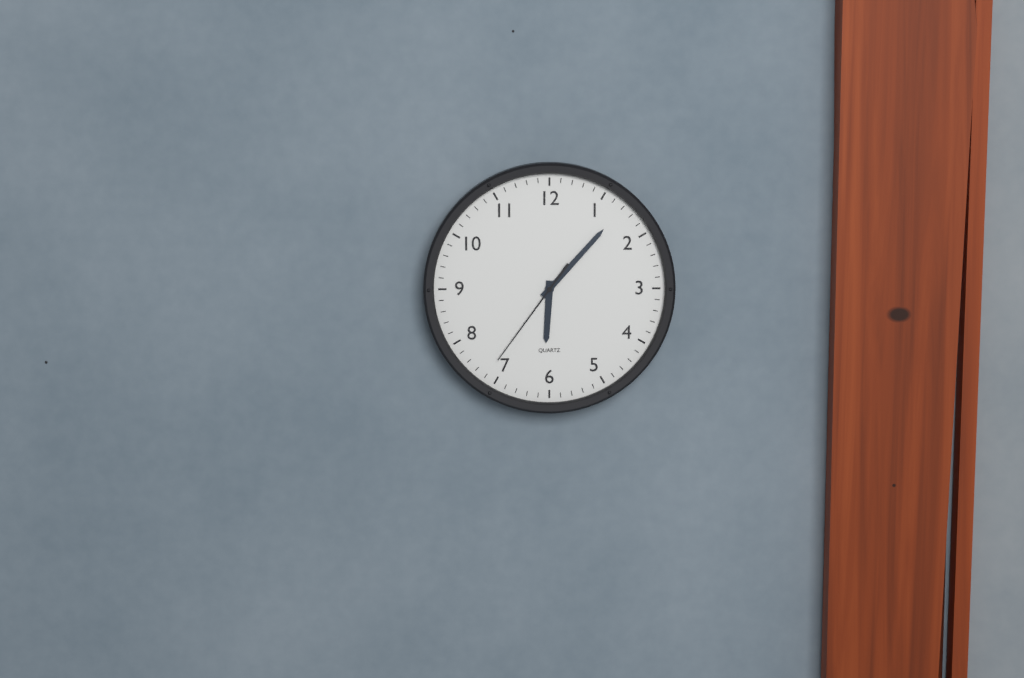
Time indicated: 6:07:36
